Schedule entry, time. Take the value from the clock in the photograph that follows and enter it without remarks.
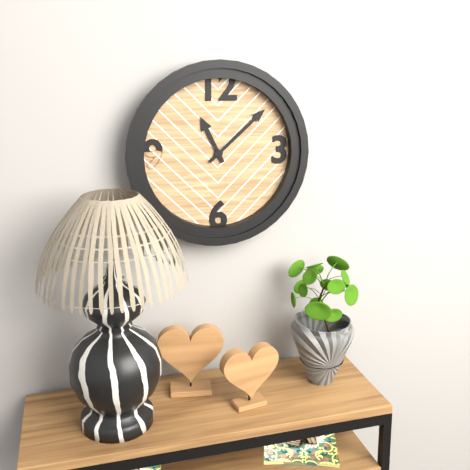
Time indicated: 11:08
